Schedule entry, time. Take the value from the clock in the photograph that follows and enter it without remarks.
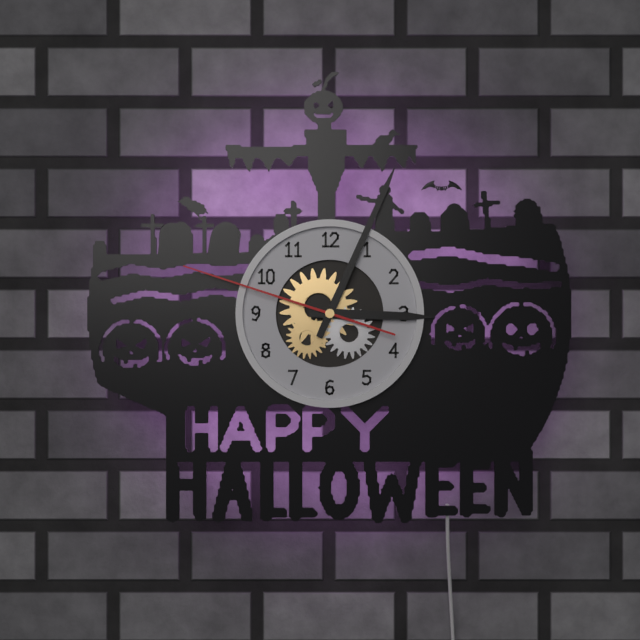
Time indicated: 3:04:48
